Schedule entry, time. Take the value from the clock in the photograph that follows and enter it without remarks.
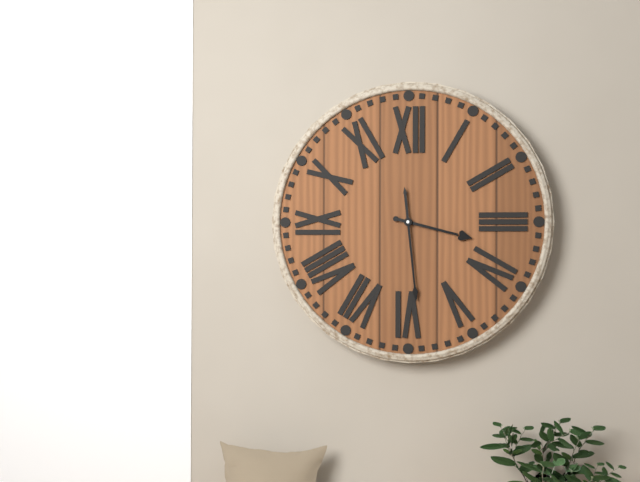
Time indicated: 3:29
